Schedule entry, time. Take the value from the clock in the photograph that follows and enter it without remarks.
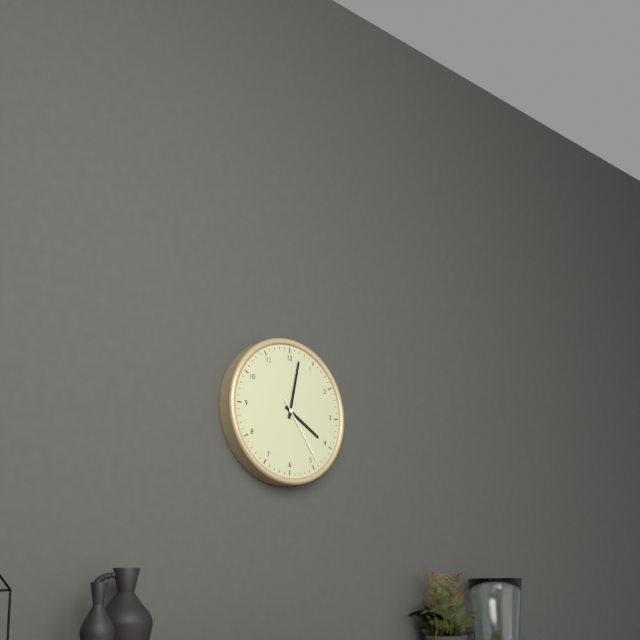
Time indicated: 4:02:24
